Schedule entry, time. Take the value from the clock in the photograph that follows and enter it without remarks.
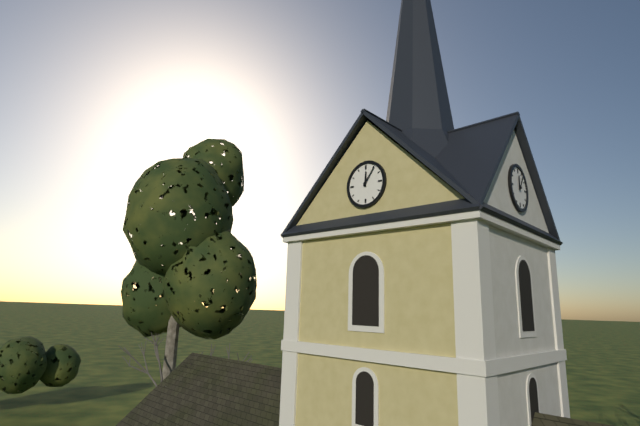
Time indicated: 12:06
